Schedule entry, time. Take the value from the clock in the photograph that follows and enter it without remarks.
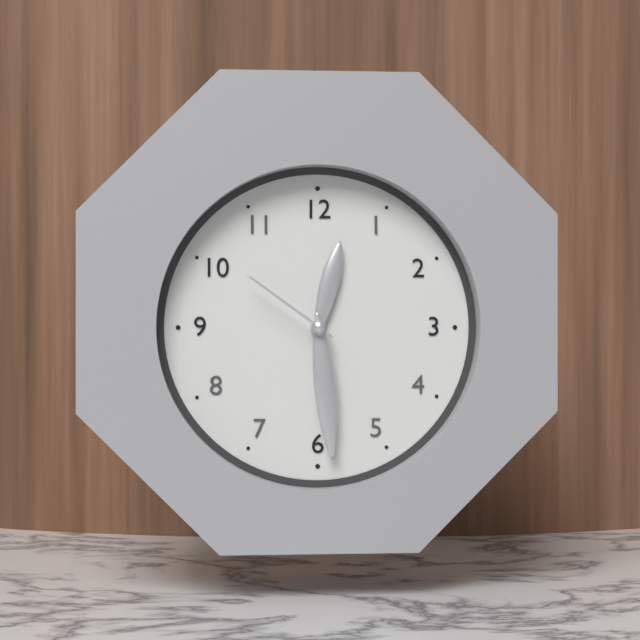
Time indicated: 12:29:51
